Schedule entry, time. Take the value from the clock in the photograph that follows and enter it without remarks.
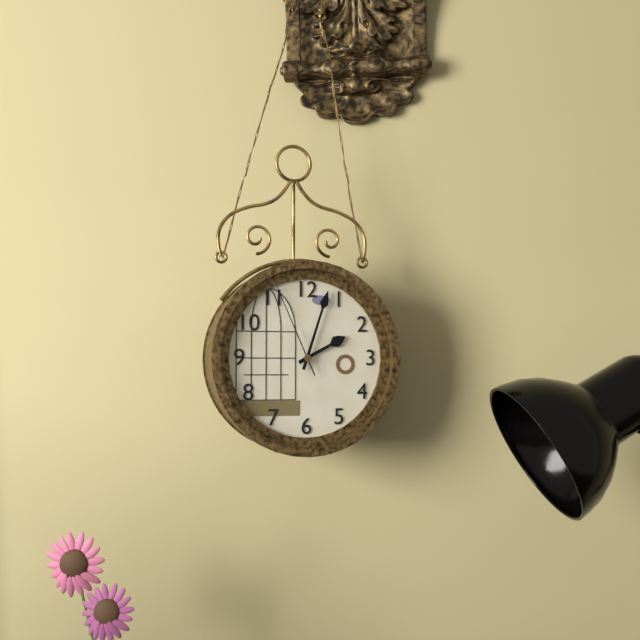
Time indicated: 2:03:56
